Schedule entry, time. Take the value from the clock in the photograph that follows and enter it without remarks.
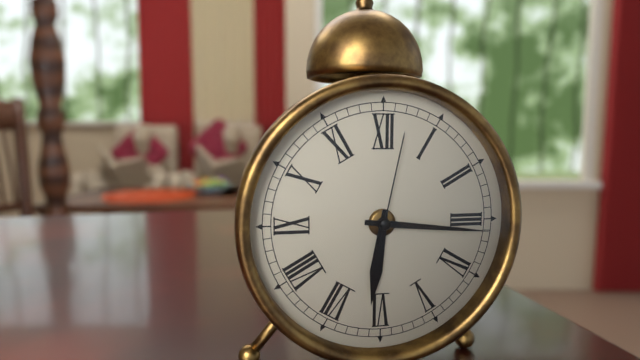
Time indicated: 6:16:02
